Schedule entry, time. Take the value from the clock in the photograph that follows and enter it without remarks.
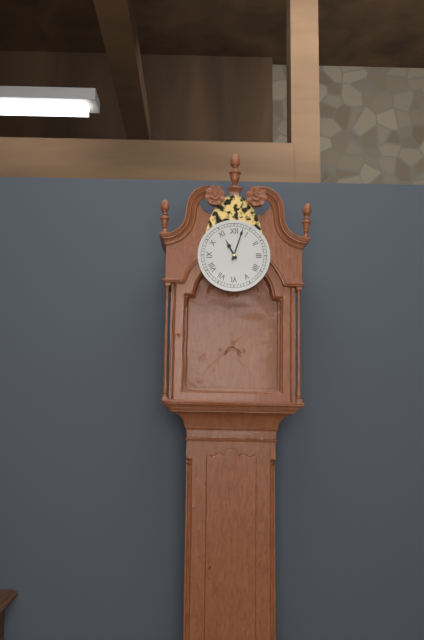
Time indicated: 11:03
